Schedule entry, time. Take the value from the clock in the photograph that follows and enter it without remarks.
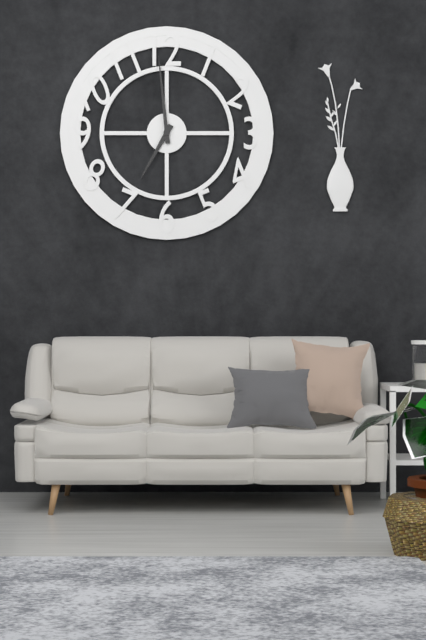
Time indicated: 6:59
